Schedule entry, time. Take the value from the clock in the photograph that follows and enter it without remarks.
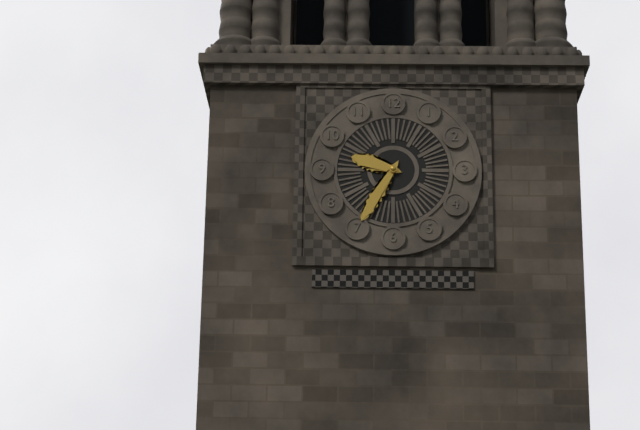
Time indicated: 9:35
